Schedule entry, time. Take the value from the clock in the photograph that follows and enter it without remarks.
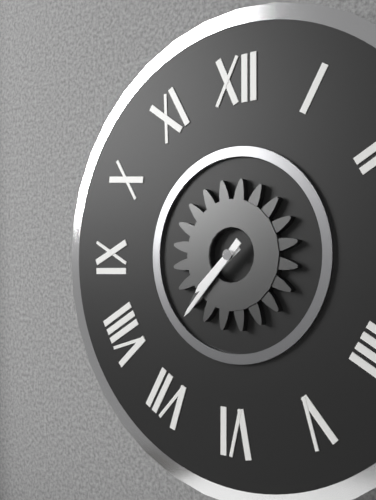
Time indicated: 7:37
